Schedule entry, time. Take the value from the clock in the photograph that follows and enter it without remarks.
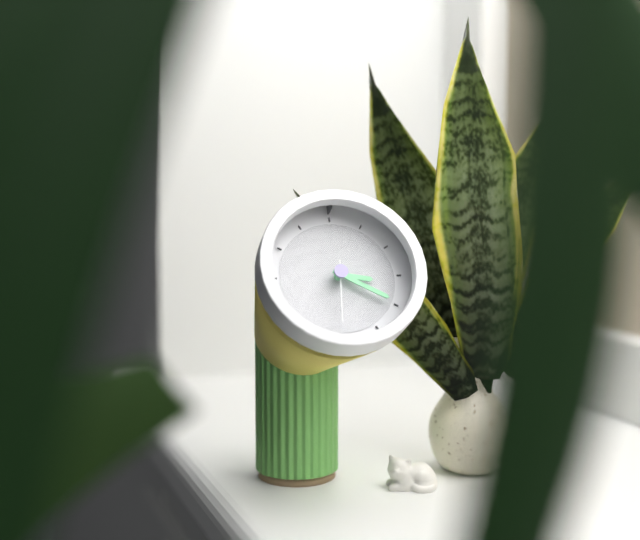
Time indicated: 3:20:31
